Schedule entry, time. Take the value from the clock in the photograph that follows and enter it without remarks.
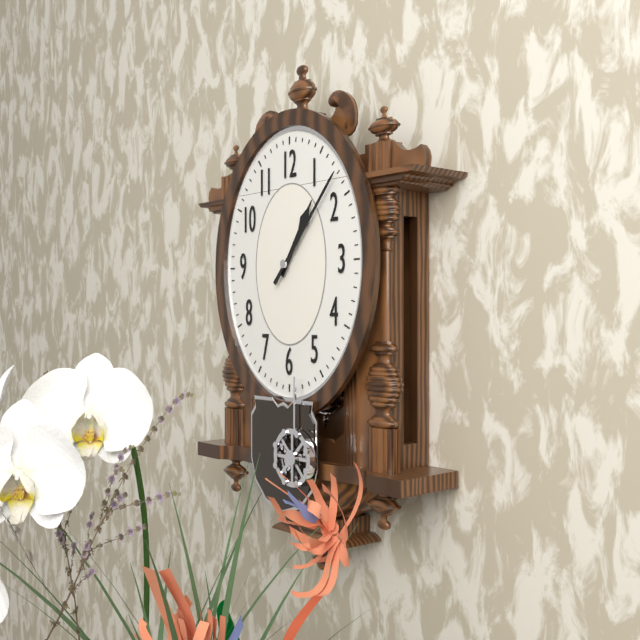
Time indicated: 1:07
